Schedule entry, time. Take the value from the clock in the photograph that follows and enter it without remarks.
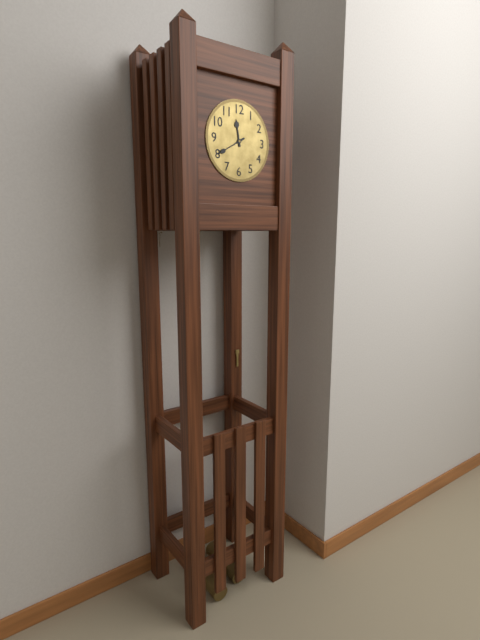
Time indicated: 11:40
